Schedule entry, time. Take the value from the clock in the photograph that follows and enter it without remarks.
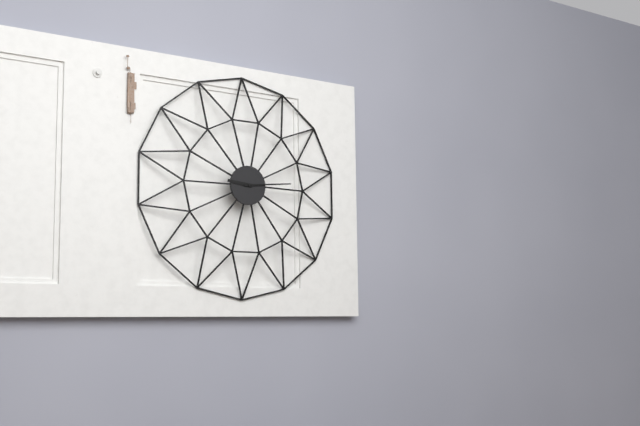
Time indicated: 9:14
